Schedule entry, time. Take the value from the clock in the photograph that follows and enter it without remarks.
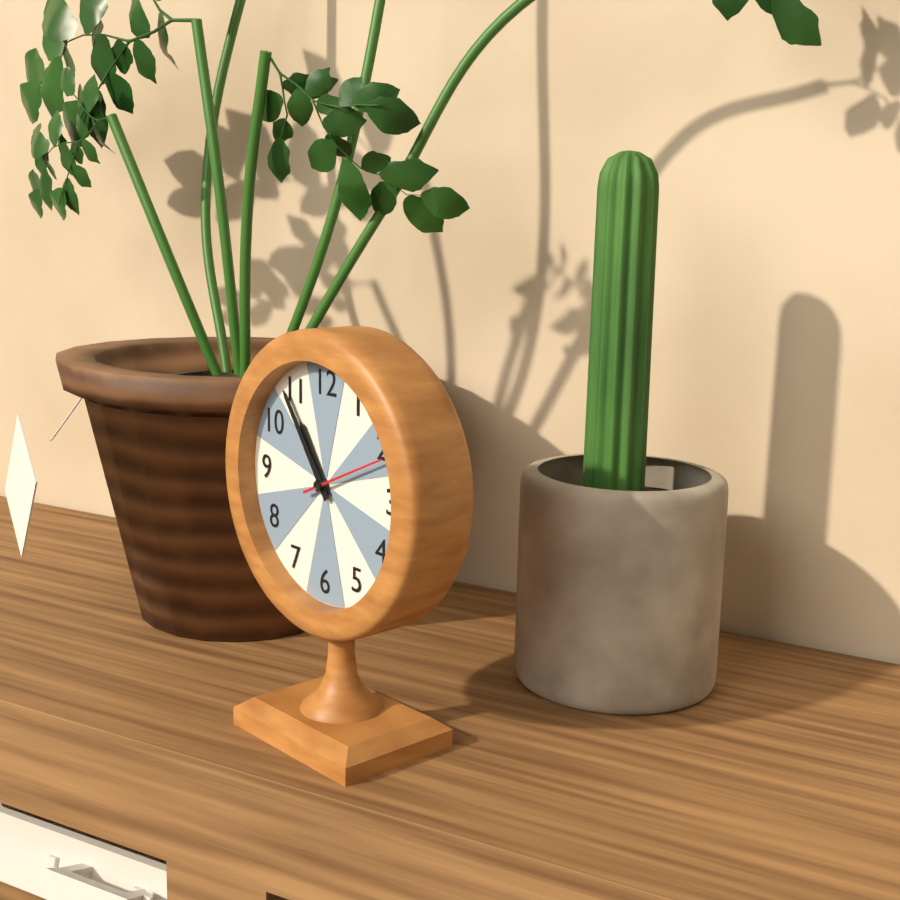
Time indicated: 10:54:11
